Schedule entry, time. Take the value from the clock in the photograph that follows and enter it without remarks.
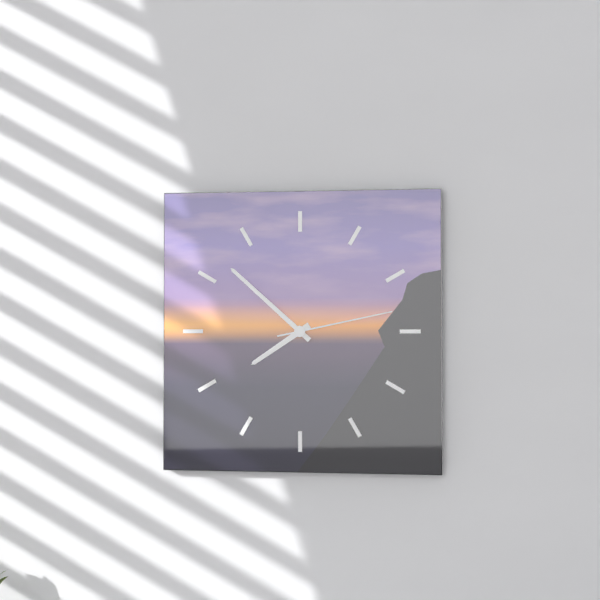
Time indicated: 7:52:13
